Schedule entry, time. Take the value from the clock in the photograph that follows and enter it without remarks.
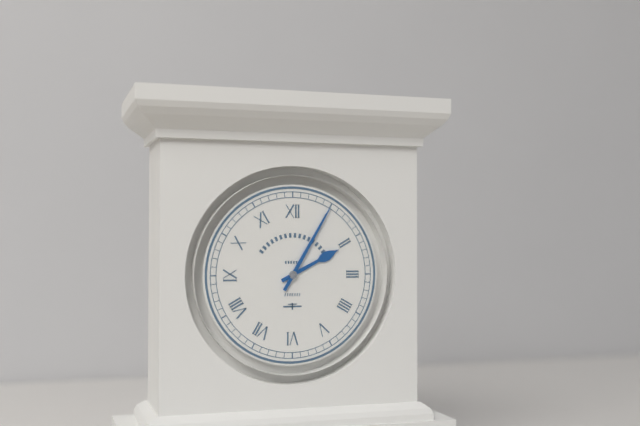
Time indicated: 2:05
